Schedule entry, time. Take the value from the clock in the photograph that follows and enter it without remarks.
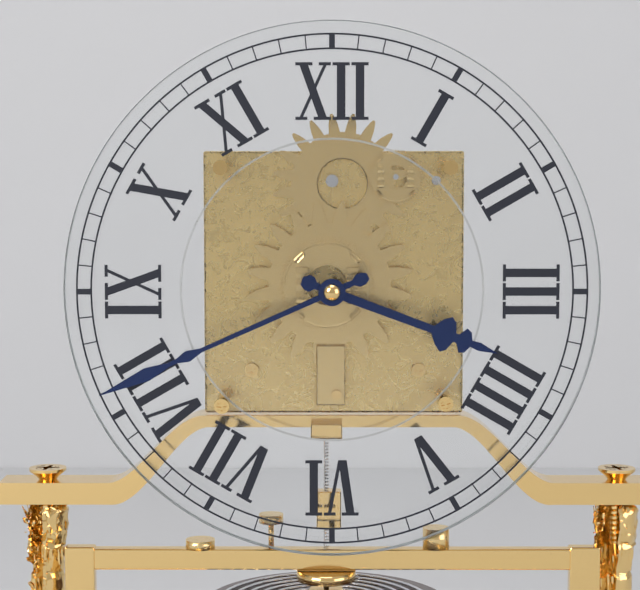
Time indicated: 3:41
